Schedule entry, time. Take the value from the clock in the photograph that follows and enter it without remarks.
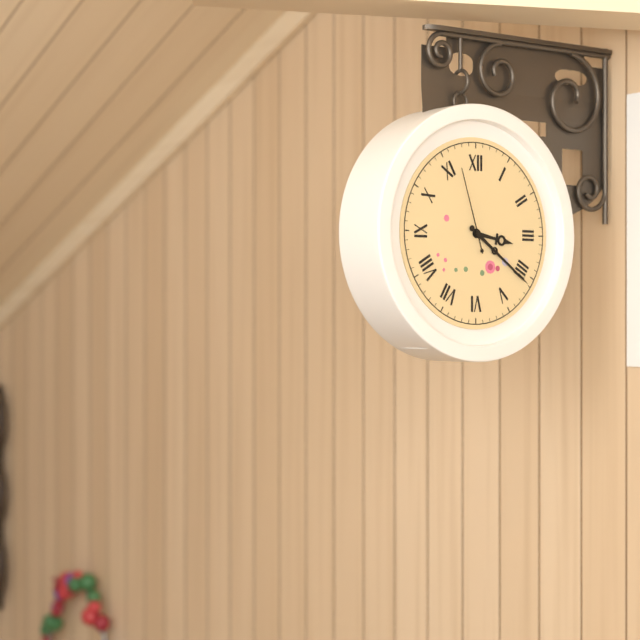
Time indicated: 3:21:57
